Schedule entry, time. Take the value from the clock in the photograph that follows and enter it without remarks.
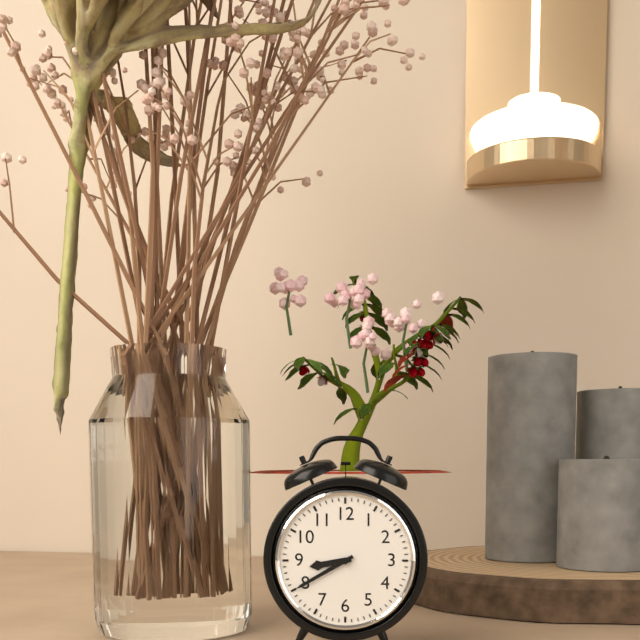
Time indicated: 8:40
